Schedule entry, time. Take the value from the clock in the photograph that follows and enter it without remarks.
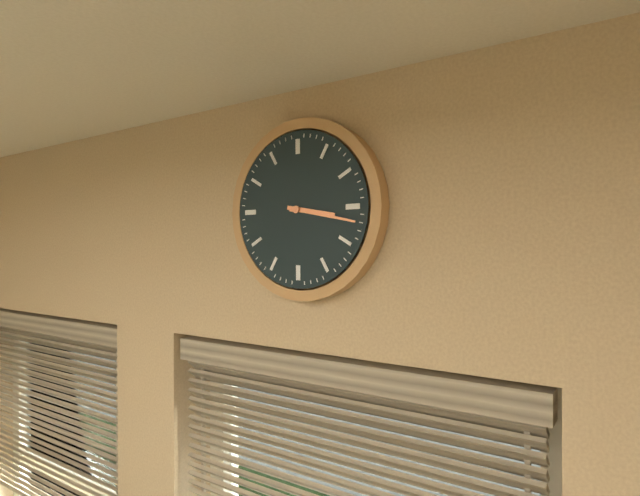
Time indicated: 3:17
